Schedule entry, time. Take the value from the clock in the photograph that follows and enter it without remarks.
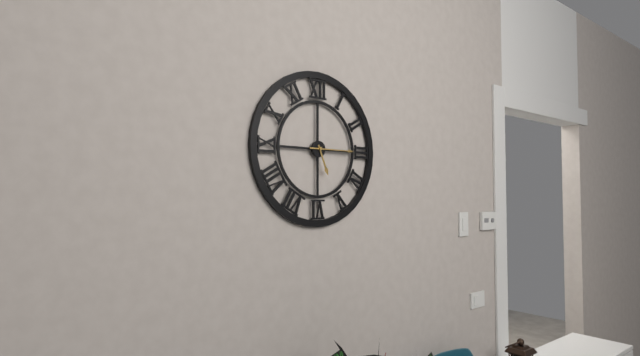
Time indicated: 5:15
